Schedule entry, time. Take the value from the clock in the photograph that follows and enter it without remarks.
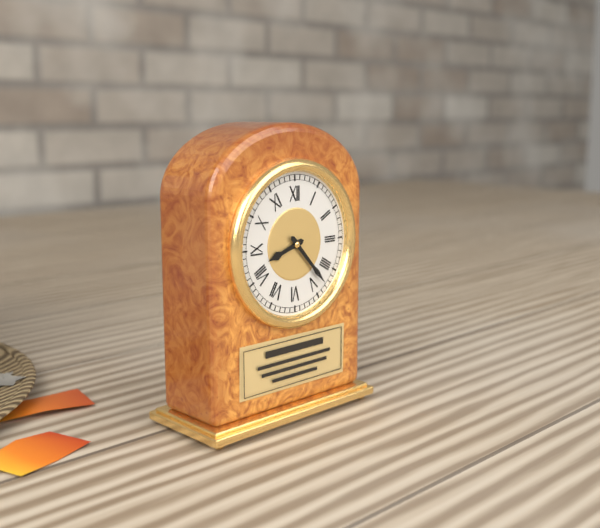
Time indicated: 8:23
